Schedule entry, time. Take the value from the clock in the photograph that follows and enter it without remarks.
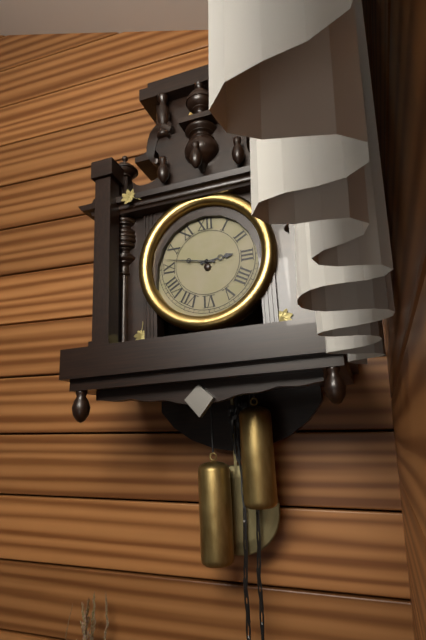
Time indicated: 2:47
